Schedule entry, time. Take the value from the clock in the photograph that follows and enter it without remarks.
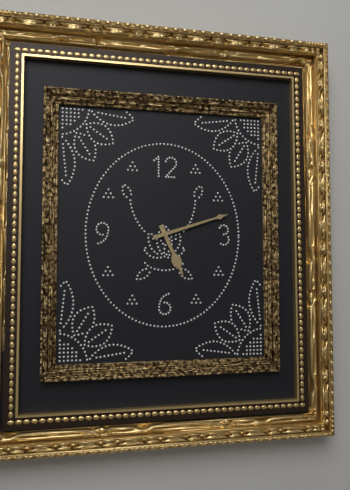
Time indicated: 5:12
